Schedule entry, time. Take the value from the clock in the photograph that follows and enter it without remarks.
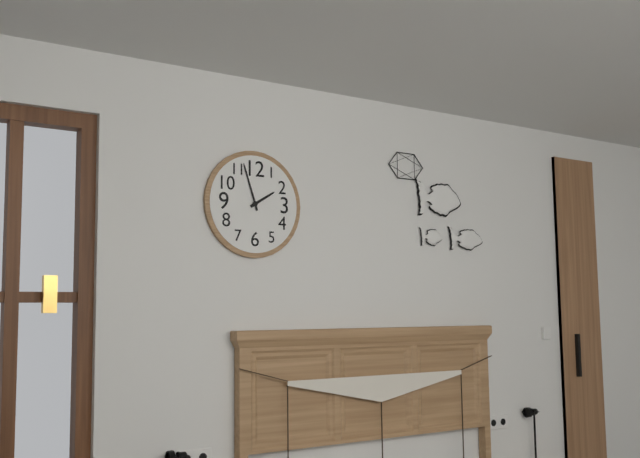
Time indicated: 1:57
